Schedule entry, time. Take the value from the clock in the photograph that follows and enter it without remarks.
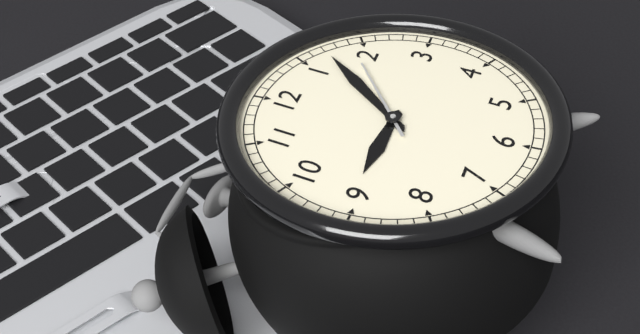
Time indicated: 9:07:09
